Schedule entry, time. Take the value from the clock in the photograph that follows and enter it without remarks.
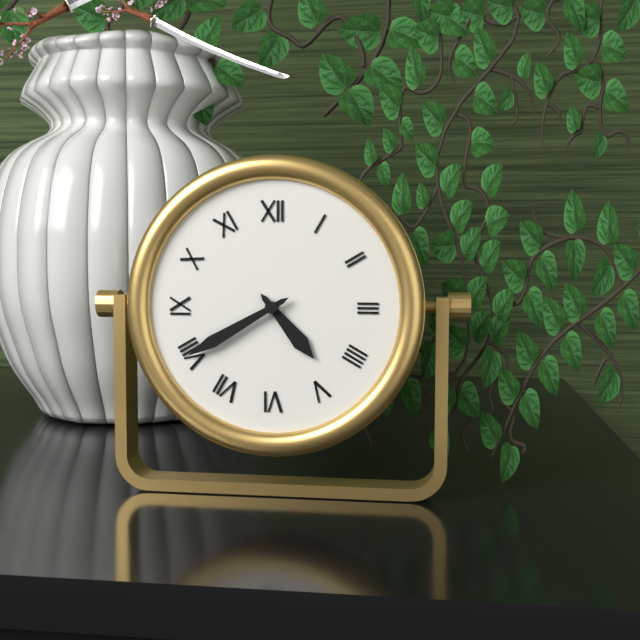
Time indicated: 4:40
